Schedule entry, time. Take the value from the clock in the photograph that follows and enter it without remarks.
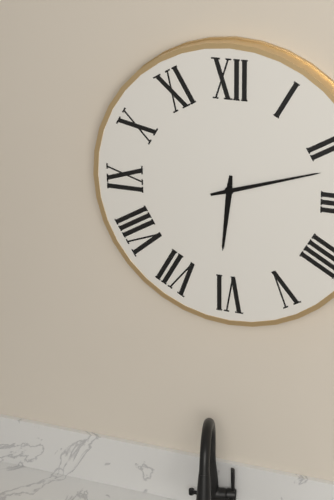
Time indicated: 6:12
